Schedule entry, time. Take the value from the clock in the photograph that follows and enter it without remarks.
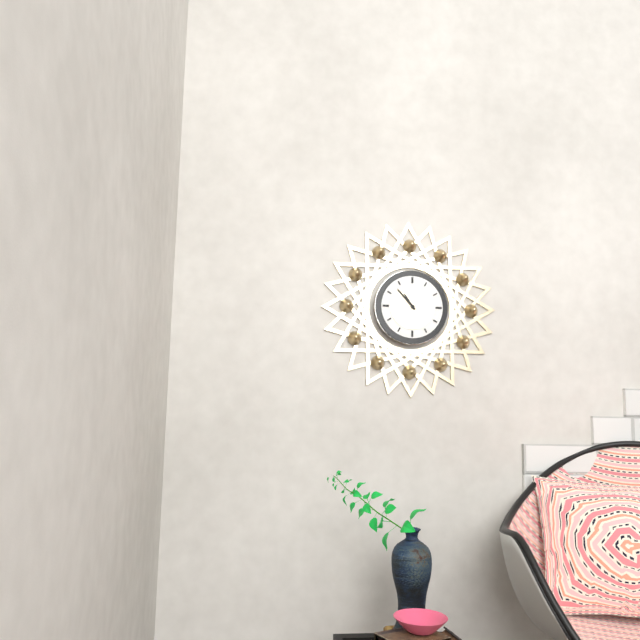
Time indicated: 10:53
